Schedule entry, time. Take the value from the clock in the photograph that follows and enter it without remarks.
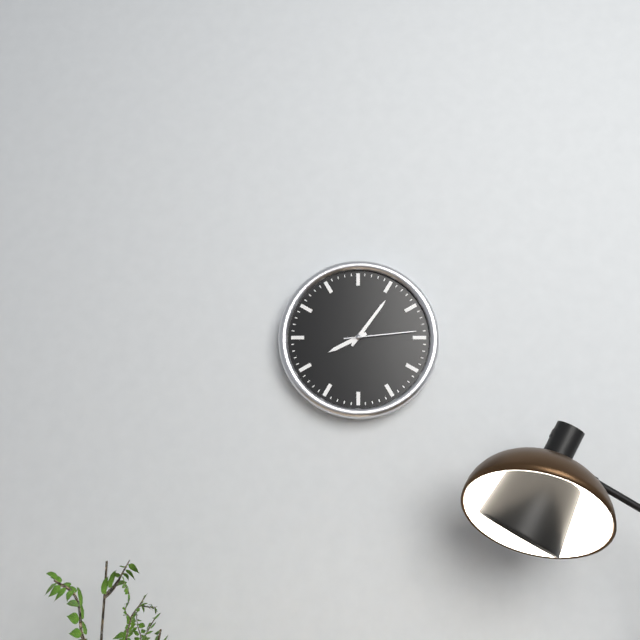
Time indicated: 8:06:14
